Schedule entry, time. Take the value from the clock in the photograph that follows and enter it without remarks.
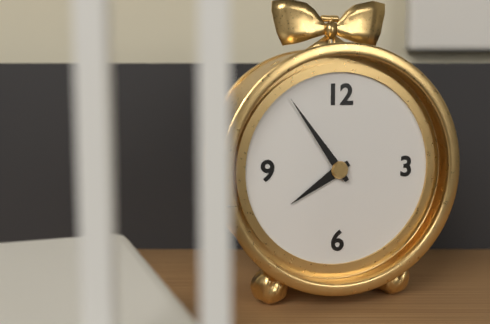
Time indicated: 7:54
